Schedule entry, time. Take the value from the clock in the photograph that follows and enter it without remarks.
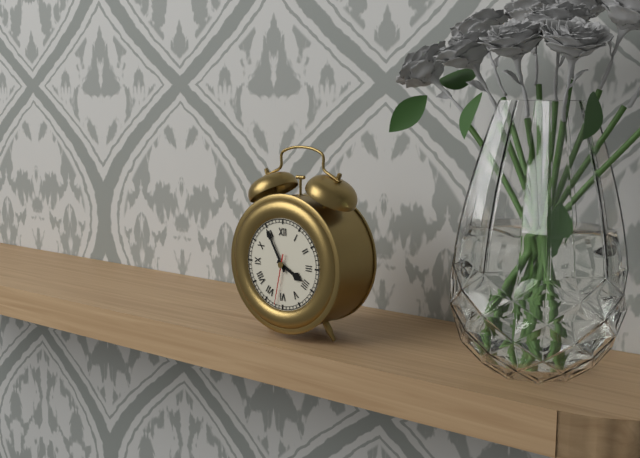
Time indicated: 3:55:32
